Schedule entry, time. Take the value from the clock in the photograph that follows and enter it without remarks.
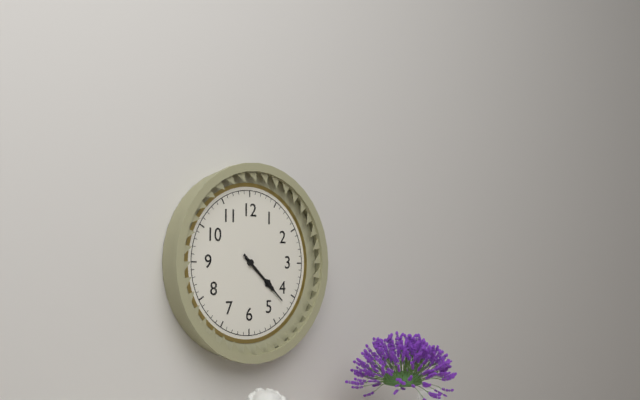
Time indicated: 4:22
